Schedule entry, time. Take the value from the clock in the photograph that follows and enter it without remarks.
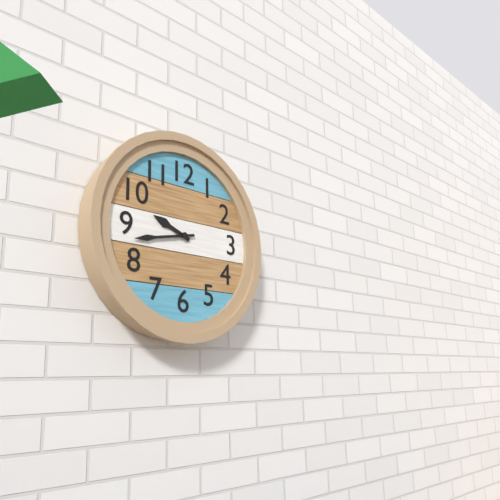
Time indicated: 9:43
